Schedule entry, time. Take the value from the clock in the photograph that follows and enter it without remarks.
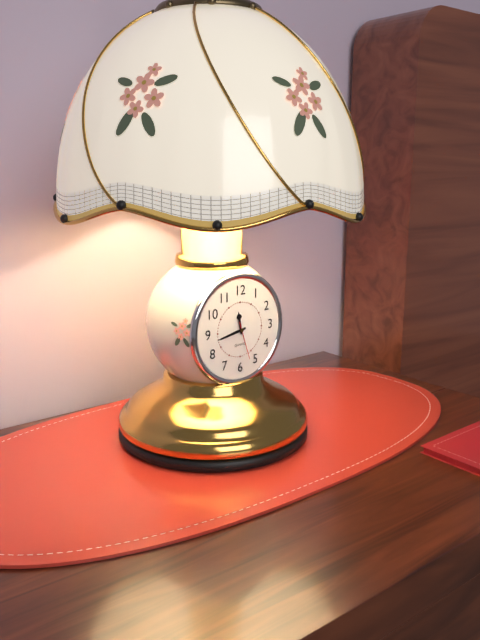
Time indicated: 11:43
